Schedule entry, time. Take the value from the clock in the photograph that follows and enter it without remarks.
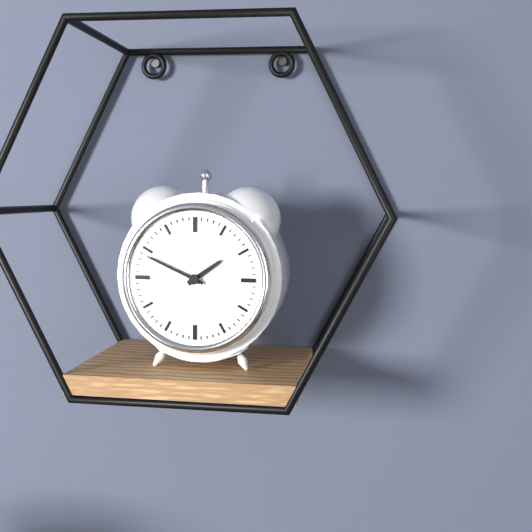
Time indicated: 1:49
